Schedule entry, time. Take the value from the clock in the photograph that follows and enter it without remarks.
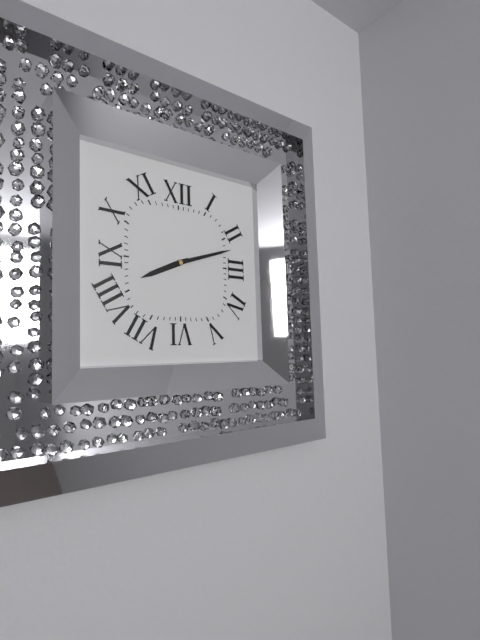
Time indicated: 8:12
